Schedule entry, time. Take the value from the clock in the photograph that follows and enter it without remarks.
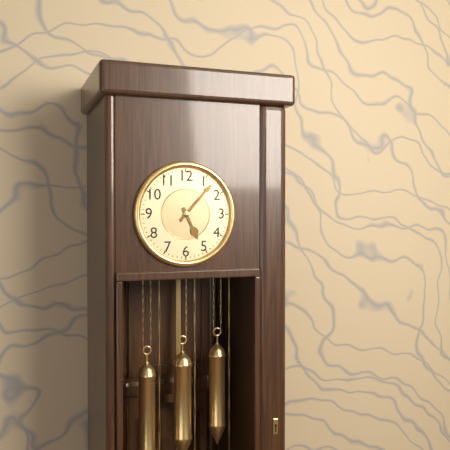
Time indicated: 5:07
